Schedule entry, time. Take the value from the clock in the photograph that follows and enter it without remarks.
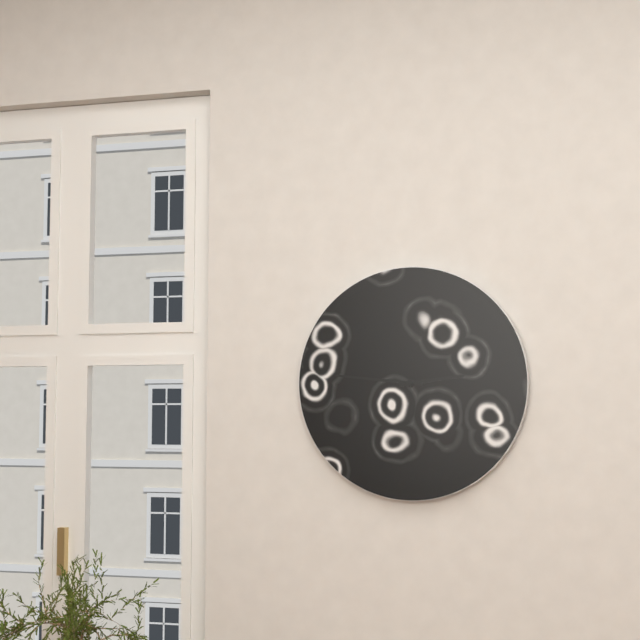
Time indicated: 2:46
